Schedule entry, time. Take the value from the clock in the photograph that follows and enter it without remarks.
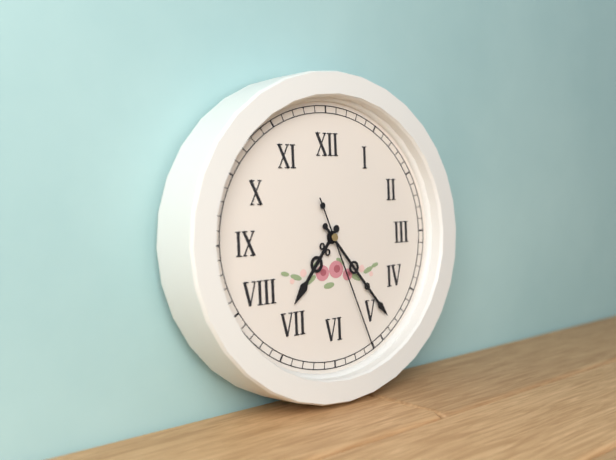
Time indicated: 7:23:26
